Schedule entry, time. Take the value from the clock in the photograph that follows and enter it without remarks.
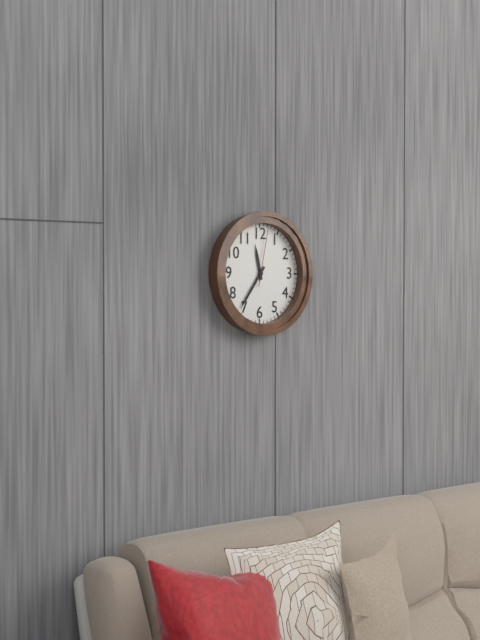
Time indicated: 11:36:02
